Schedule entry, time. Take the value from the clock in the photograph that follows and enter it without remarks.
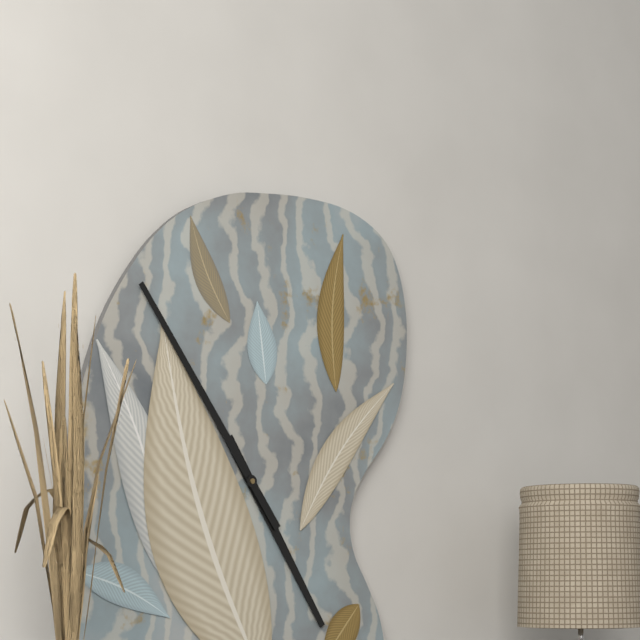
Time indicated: 4:54
